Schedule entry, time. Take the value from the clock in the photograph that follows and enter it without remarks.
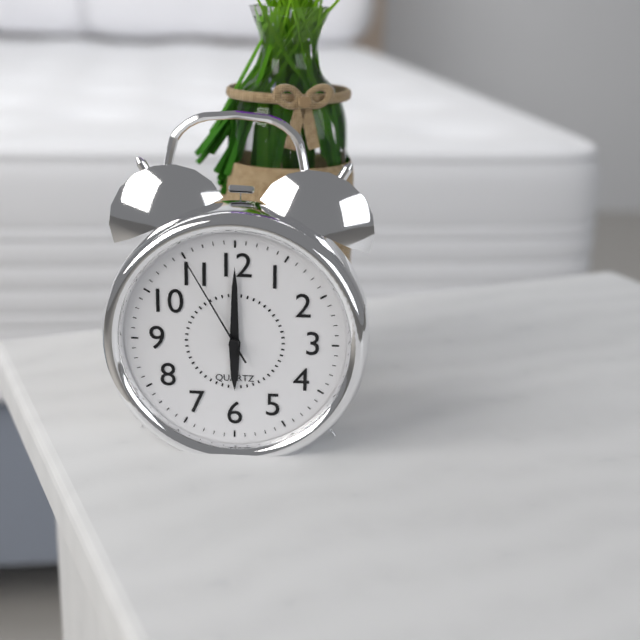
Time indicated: 6:00:55
